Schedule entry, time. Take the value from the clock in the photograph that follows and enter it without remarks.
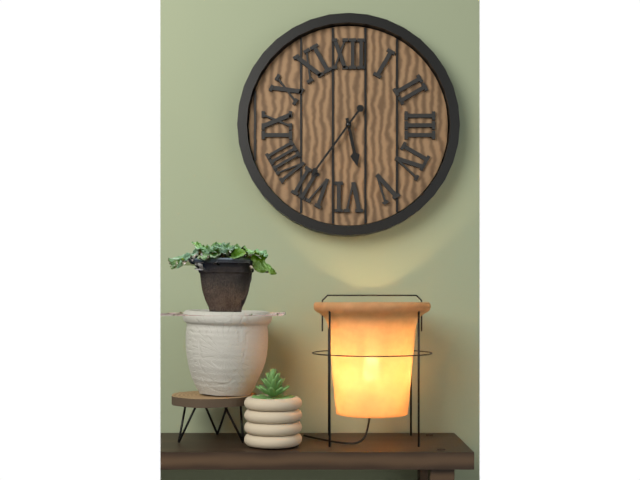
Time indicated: 5:36
